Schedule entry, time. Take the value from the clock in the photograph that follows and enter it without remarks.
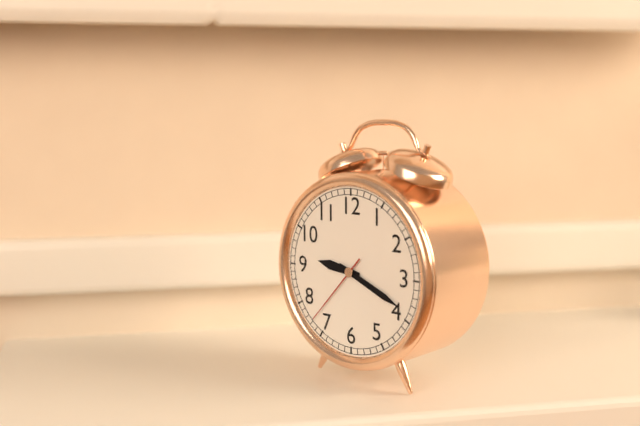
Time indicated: 9:19:37
